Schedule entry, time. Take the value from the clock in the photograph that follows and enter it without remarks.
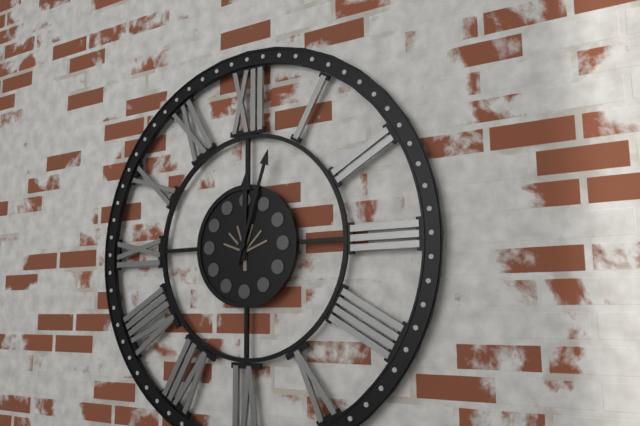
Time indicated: 12:03
